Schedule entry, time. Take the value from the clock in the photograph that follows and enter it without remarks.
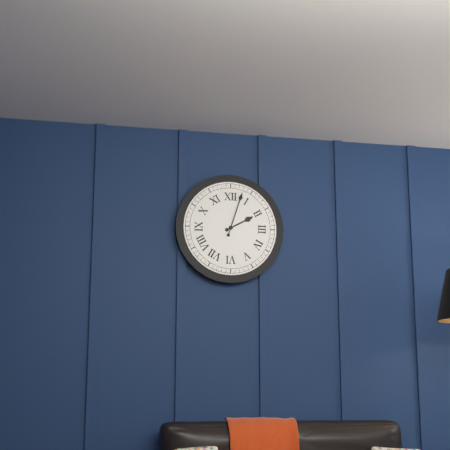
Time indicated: 2:03
